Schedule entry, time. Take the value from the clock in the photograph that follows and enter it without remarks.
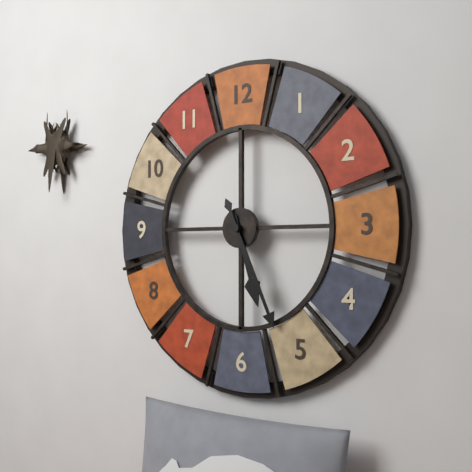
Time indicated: 5:26
